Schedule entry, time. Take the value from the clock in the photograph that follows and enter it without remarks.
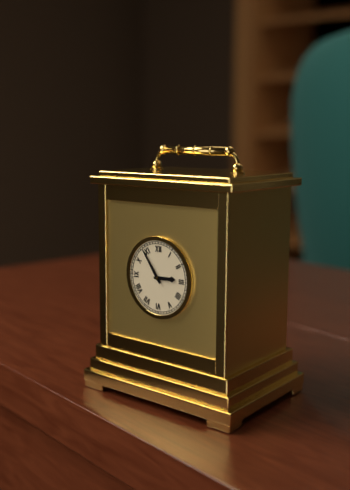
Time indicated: 2:54
